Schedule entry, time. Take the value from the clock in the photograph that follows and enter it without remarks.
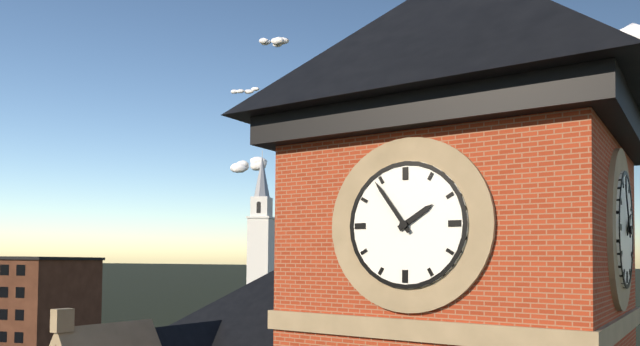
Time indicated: 1:54
